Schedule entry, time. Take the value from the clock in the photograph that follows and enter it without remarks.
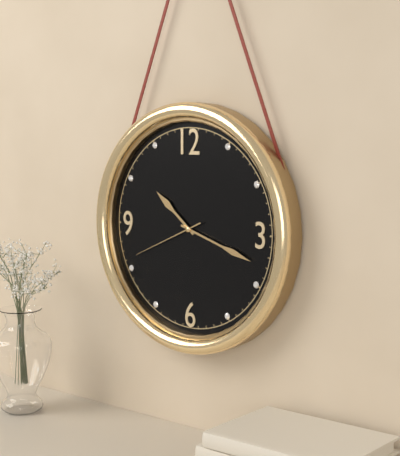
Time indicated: 10:18:41
